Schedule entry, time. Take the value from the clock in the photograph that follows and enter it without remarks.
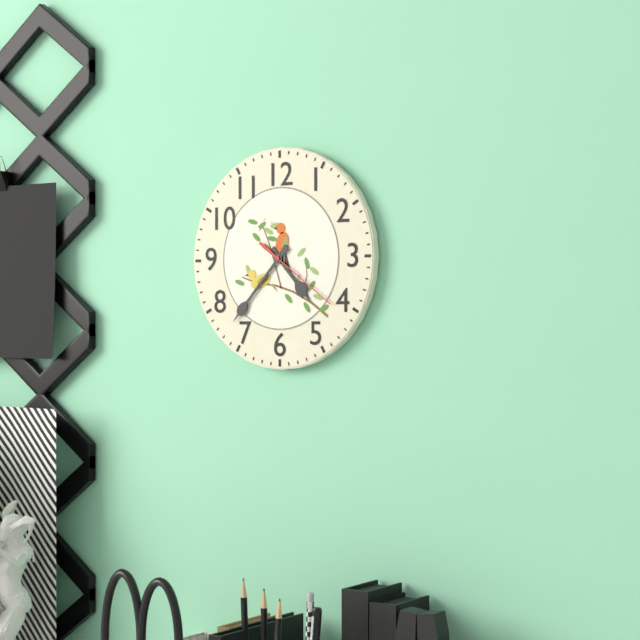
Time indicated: 4:37:21
